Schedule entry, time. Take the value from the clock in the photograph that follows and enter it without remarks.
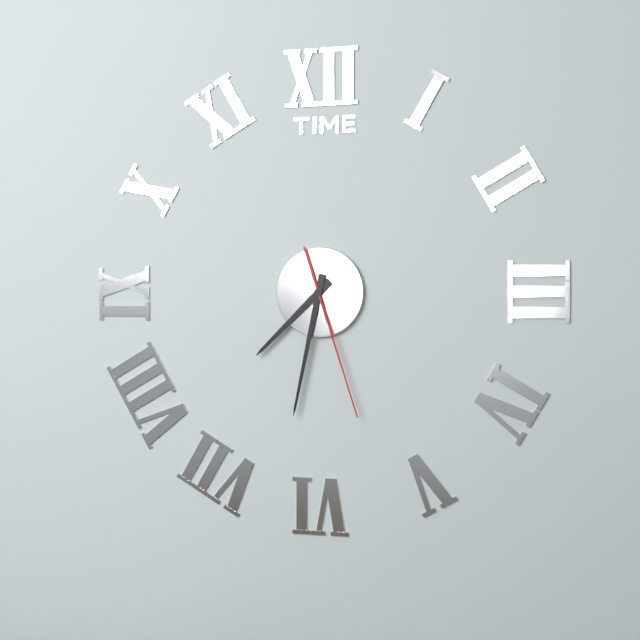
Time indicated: 7:32:27
